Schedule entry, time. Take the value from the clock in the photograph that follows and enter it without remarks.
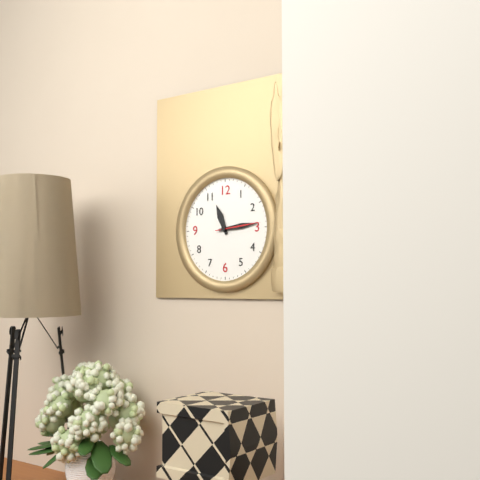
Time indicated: 11:14
